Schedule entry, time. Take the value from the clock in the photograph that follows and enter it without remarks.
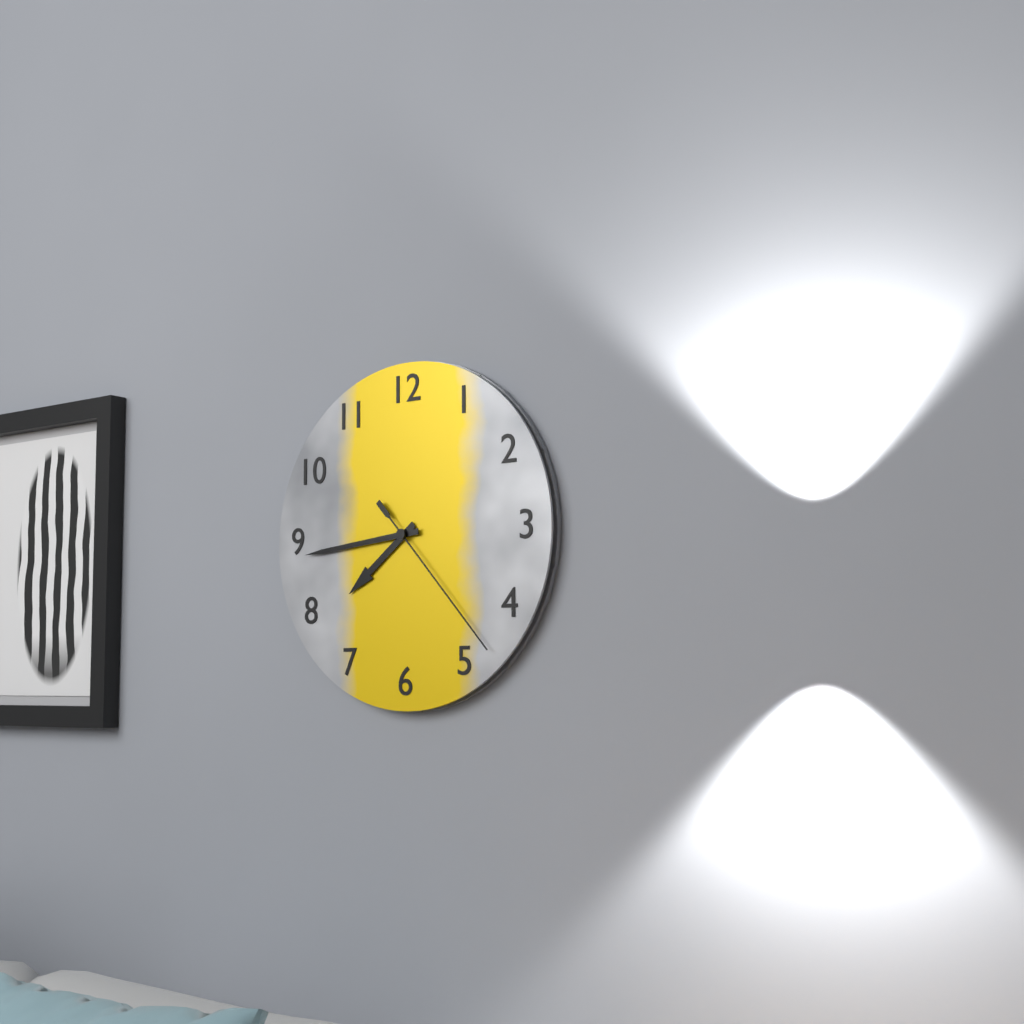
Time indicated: 7:44:23
